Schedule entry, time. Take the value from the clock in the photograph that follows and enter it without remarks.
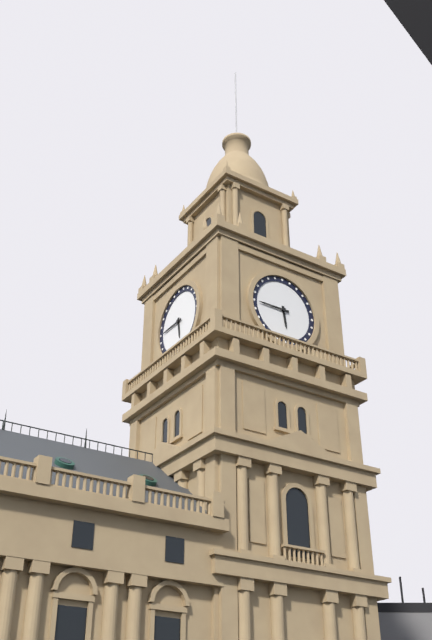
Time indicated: 5:45
